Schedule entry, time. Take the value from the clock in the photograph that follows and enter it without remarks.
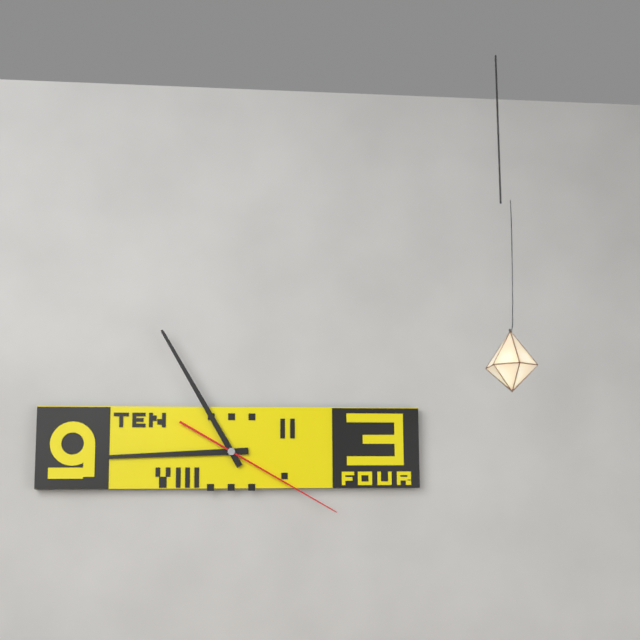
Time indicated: 8:55:20
